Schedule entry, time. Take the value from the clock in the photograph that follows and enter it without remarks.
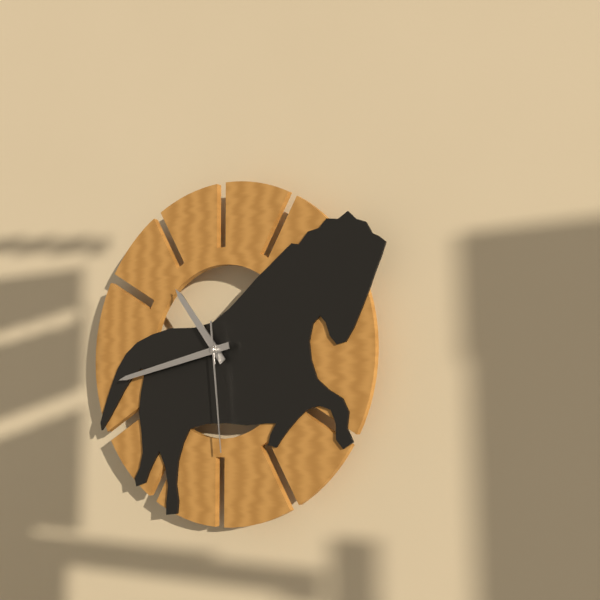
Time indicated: 10:43:29
